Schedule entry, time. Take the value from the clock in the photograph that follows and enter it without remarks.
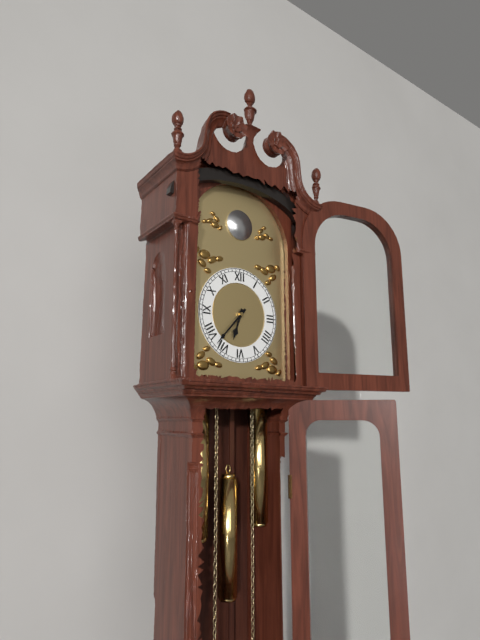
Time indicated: 6:37
